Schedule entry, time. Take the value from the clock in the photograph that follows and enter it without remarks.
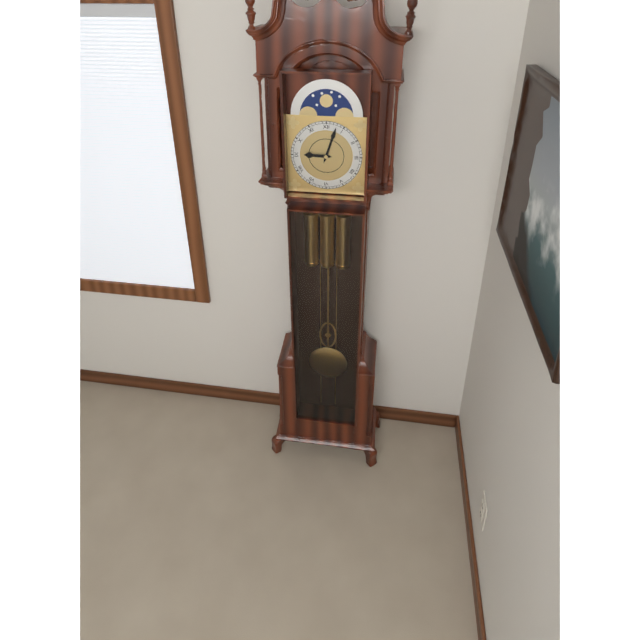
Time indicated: 9:03
